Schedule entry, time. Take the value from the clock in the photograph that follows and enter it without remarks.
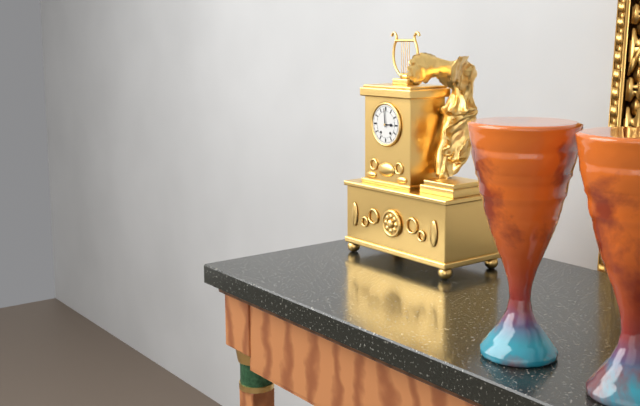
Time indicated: 2:59
